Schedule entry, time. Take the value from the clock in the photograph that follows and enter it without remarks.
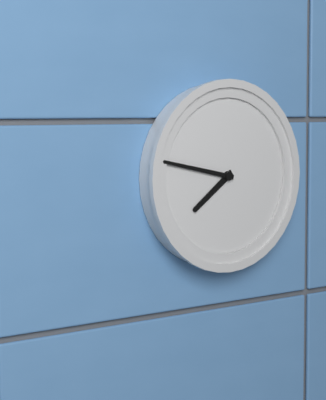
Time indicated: 7:47
